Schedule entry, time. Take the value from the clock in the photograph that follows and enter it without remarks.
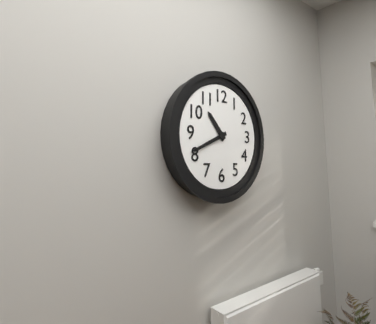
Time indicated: 10:41
